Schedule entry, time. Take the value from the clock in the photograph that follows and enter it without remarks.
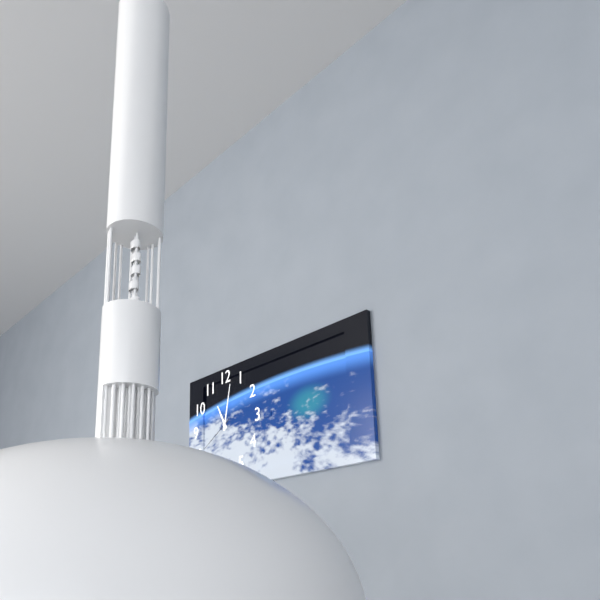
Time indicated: 11:02
